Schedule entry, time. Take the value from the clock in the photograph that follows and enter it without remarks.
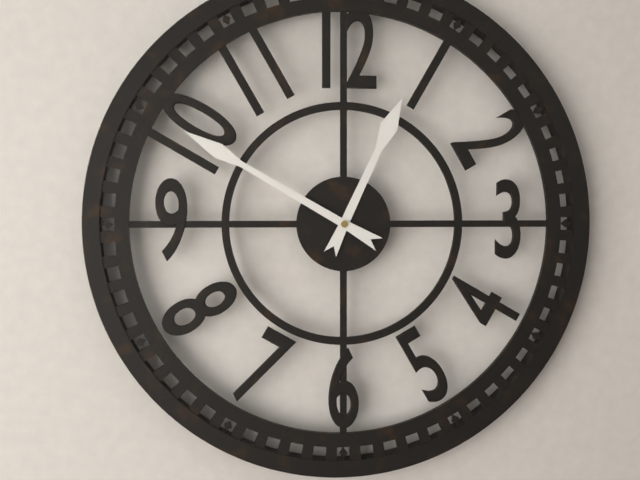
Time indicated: 12:50
